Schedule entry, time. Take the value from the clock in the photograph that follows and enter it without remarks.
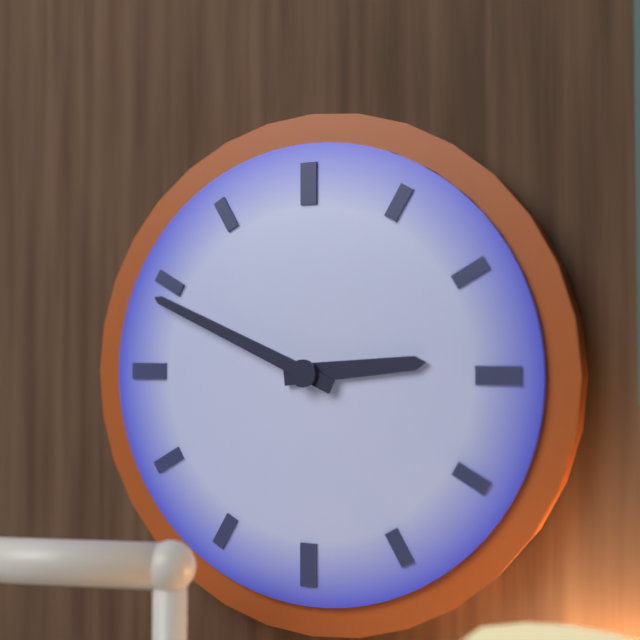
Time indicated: 2:49
